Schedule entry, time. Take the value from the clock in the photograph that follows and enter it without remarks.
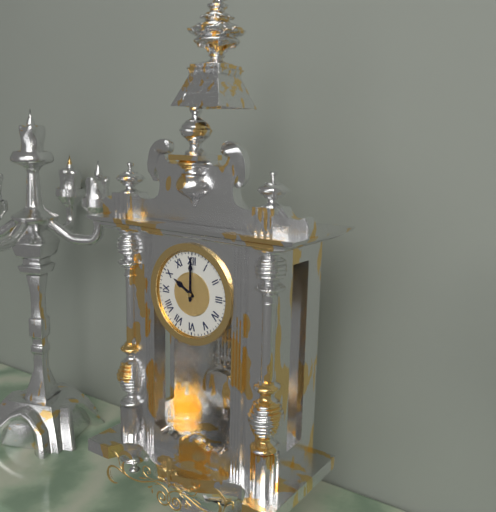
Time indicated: 10:00
